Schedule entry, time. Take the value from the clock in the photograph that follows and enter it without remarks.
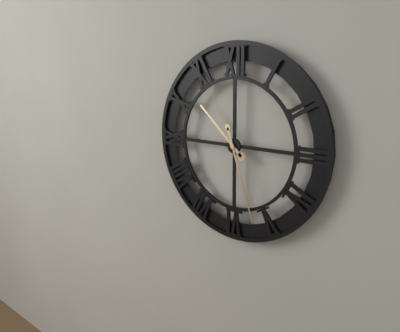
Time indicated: 10:27
